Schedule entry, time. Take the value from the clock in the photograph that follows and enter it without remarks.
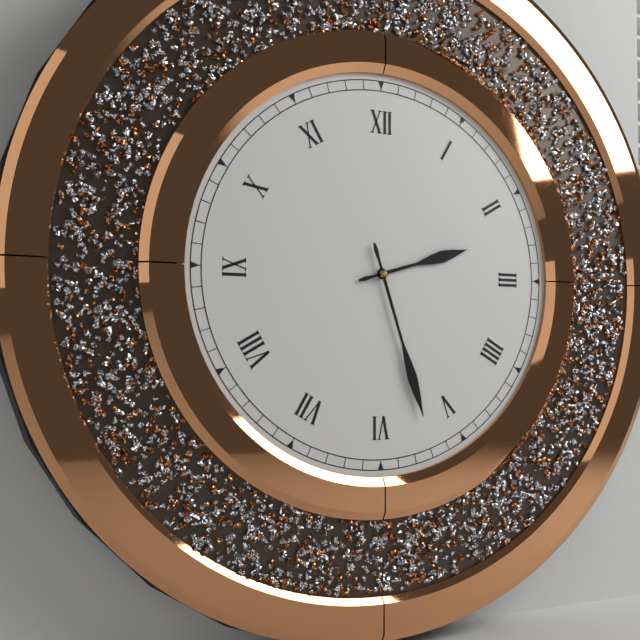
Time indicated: 2:27
